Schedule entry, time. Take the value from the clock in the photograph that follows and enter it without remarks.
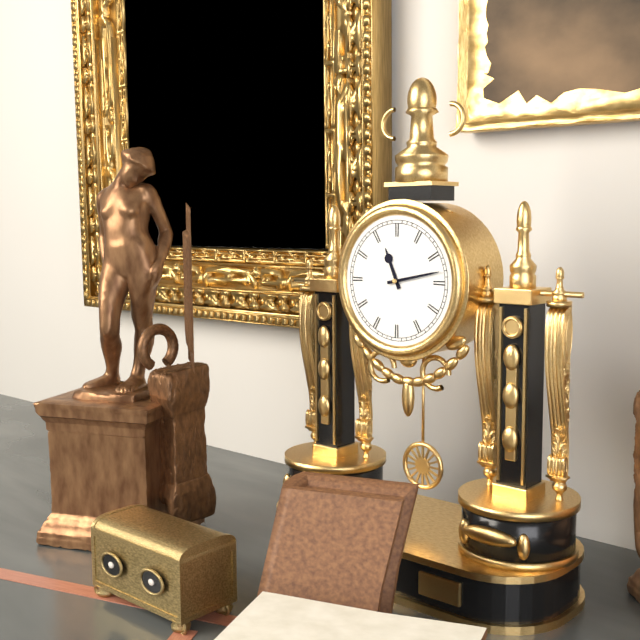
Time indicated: 11:13
